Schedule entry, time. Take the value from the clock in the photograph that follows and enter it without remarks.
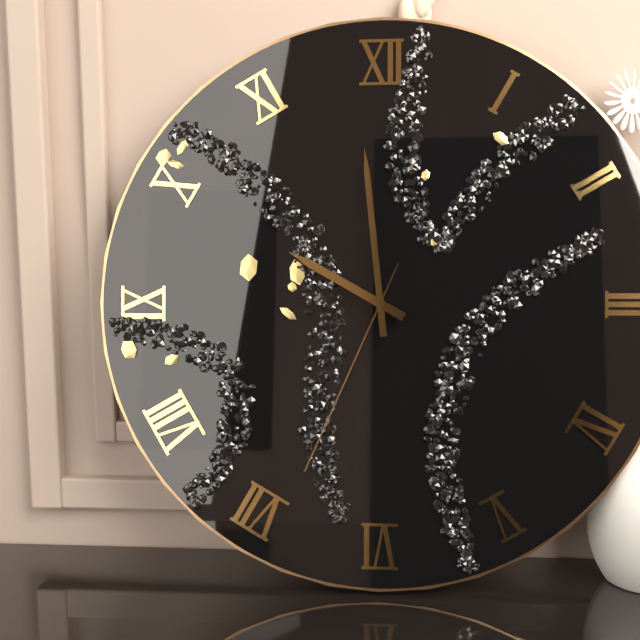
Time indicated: 9:59:34
